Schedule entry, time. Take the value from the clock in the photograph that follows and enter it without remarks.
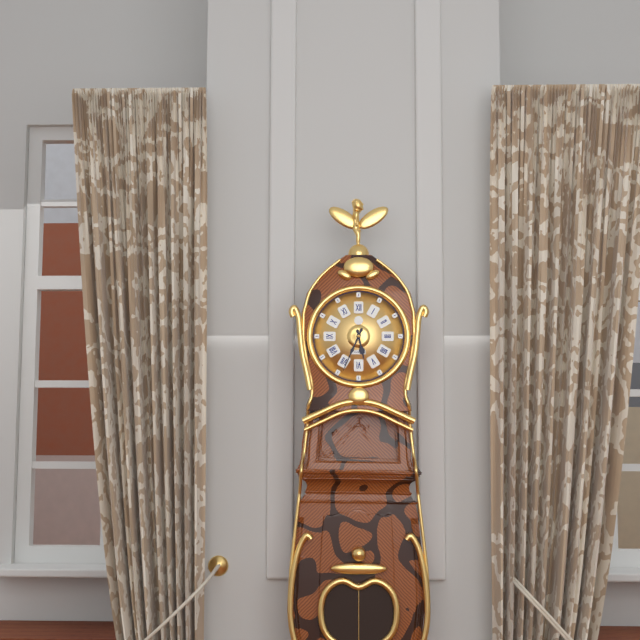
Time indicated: 5:34
